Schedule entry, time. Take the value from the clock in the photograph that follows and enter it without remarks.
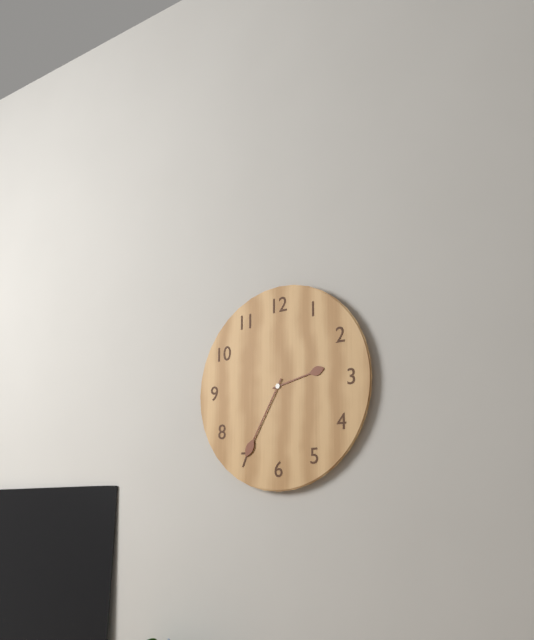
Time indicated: 2:35
